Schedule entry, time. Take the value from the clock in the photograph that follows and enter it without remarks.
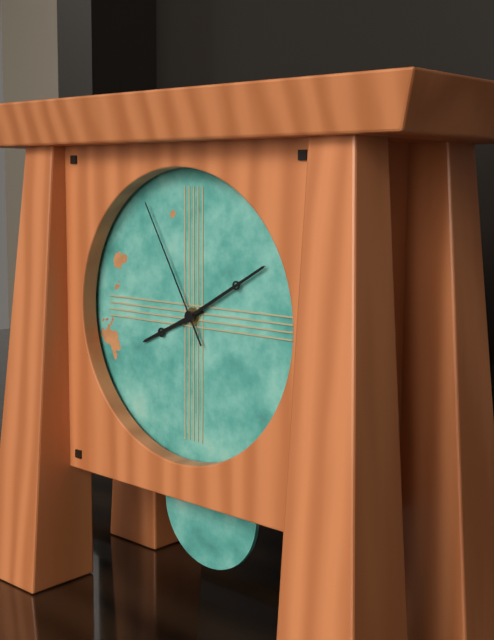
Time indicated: 8:10:55
